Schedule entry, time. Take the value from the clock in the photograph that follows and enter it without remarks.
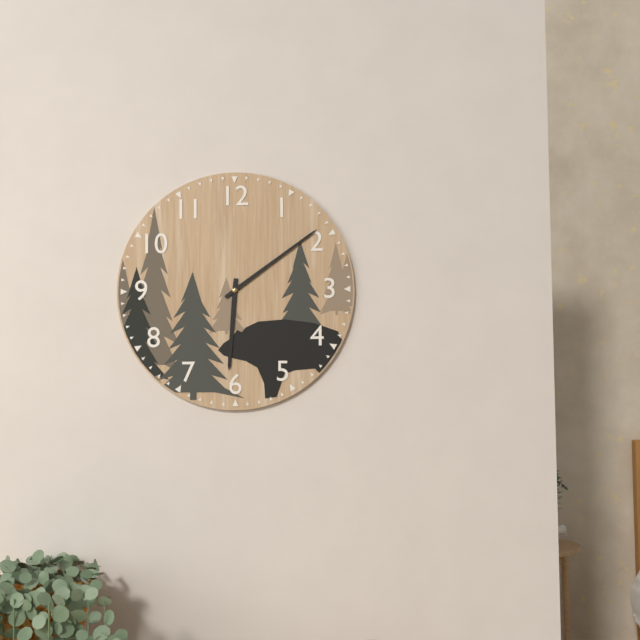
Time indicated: 6:09
